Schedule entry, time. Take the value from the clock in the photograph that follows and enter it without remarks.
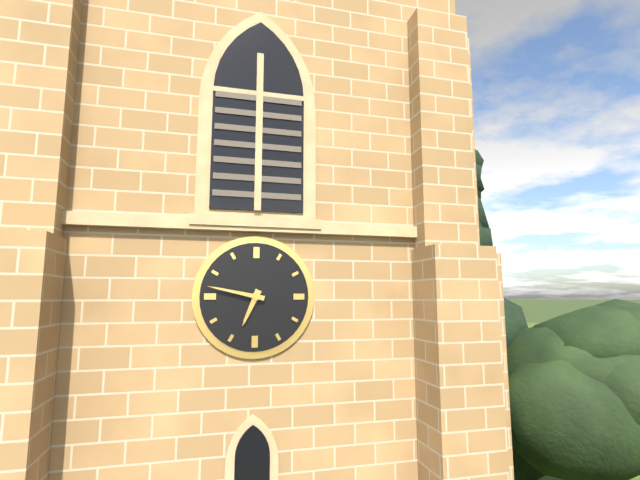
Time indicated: 6:47
